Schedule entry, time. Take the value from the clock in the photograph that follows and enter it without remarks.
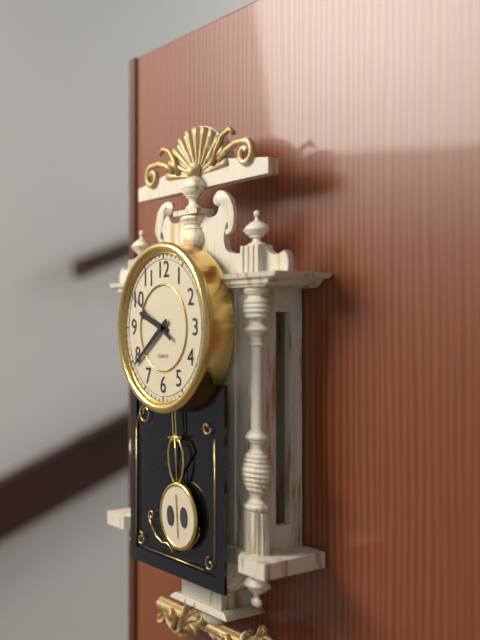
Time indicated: 9:39:50
